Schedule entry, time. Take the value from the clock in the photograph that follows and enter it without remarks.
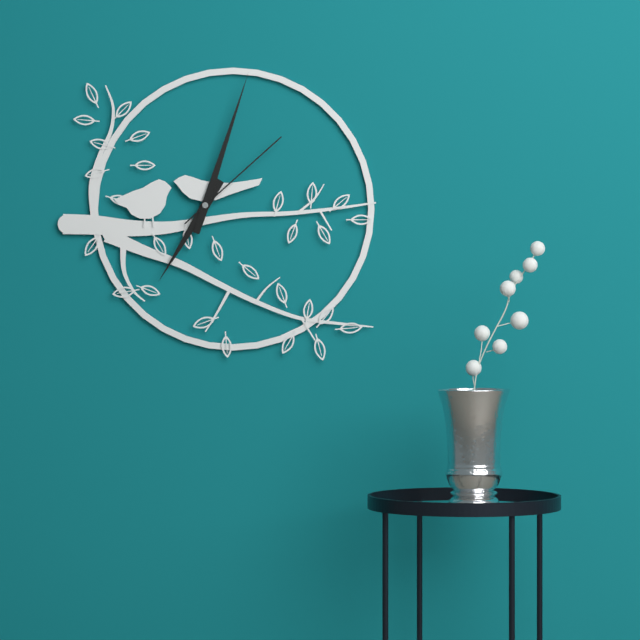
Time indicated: 7:03:08
